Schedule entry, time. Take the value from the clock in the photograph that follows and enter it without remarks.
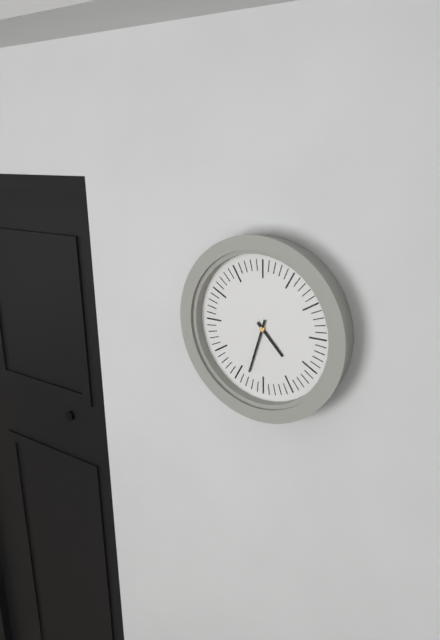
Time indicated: 4:33
